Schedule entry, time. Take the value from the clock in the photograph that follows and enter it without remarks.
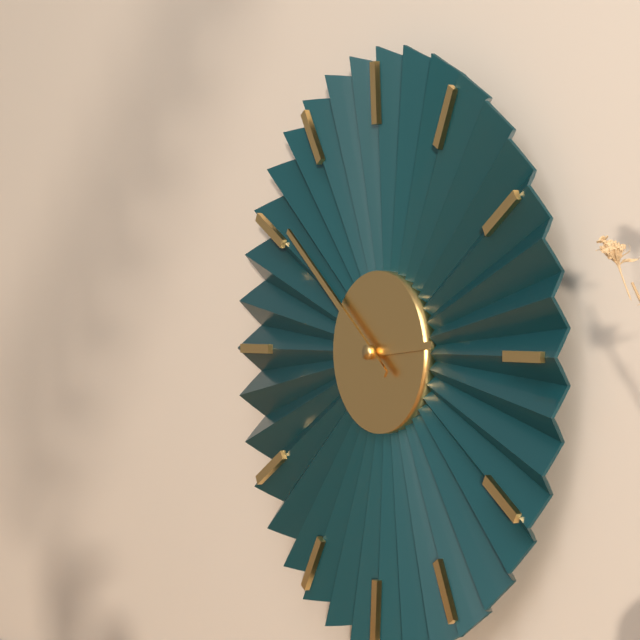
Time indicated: 2:51
